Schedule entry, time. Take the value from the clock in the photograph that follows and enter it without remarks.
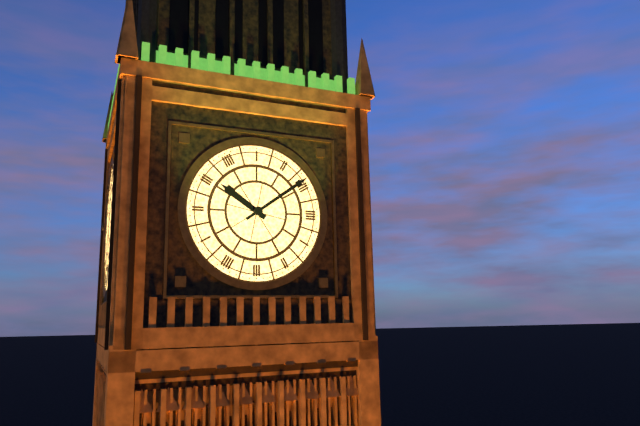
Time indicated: 10:09
